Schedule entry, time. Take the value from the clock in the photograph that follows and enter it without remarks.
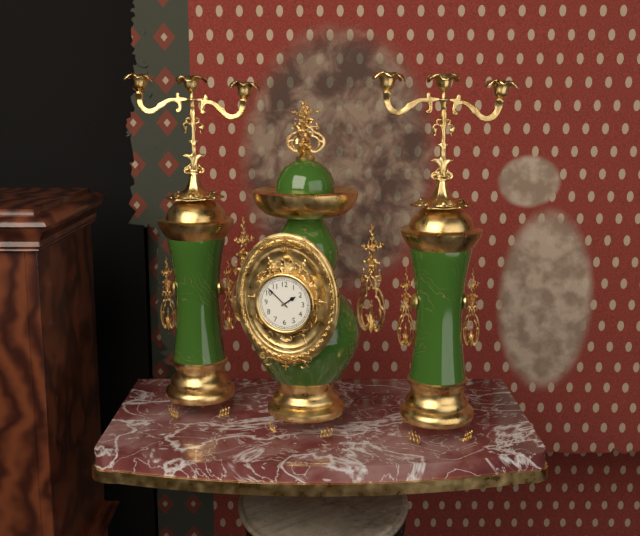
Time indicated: 1:52
